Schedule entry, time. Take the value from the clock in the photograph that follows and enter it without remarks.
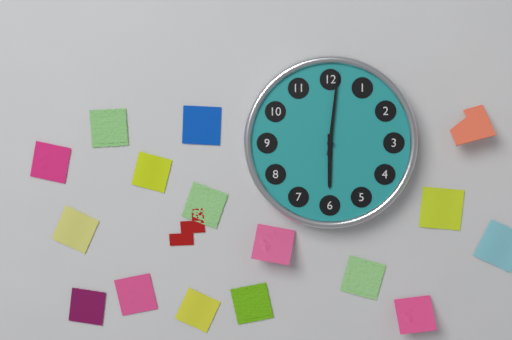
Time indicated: 6:01
